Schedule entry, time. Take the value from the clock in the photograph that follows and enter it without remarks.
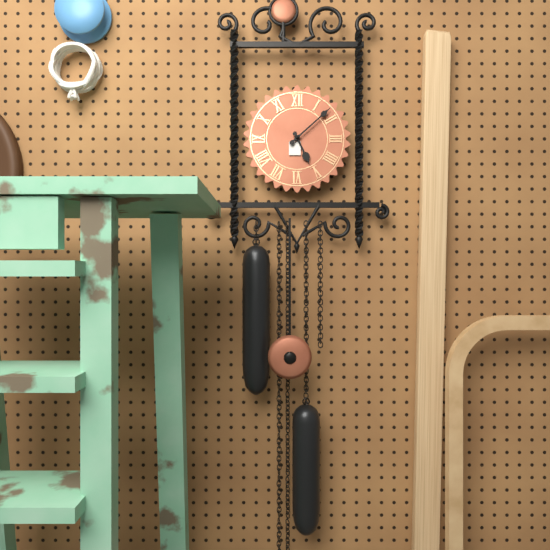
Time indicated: 5:08
